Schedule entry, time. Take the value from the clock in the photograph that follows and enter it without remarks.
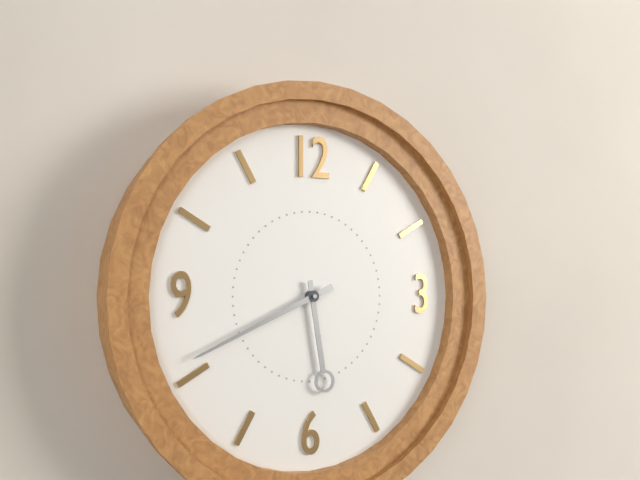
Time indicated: 5:41
